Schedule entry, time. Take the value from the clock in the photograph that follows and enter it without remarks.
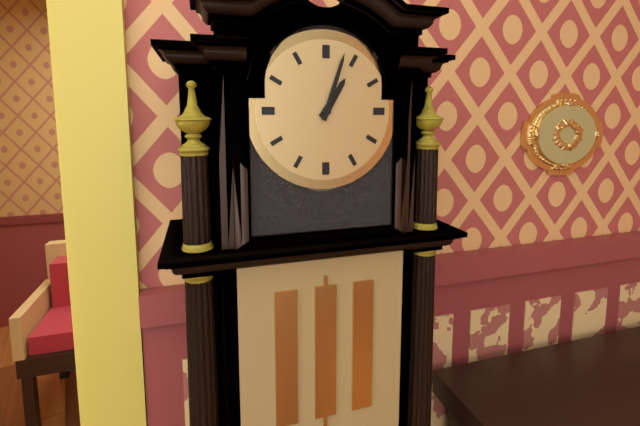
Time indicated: 1:03
